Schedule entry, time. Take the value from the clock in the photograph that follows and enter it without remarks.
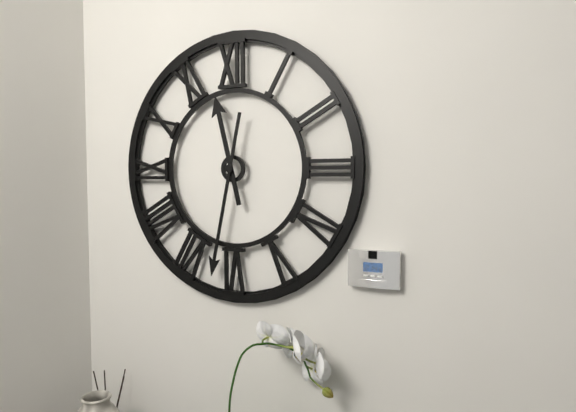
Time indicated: 11:32
